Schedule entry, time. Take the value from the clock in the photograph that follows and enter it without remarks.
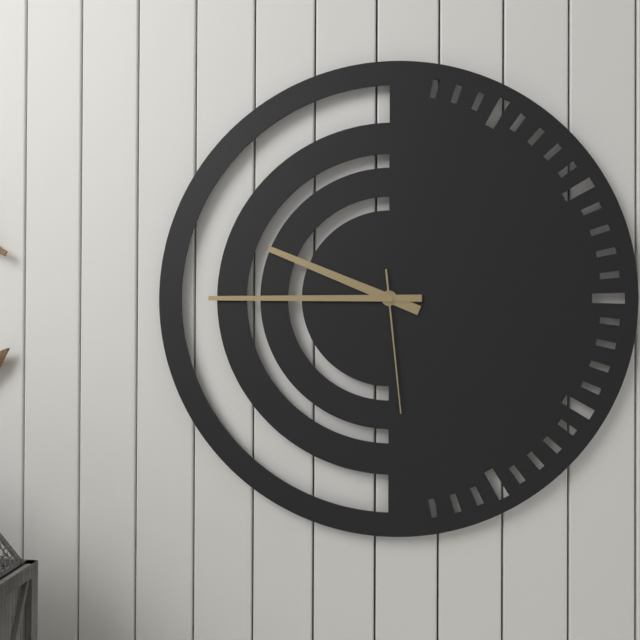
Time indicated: 9:45:29
